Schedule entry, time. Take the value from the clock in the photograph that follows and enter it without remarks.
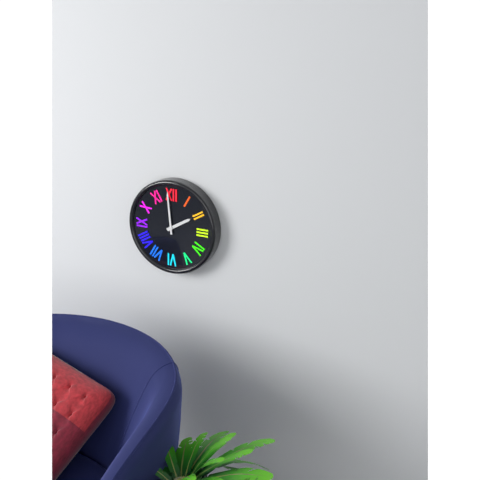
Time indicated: 1:59
